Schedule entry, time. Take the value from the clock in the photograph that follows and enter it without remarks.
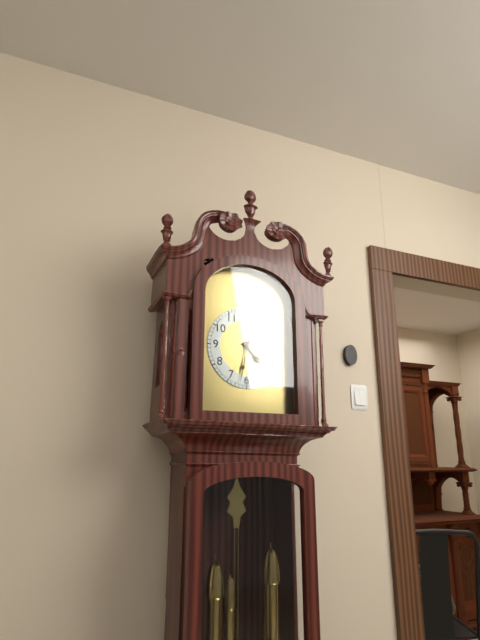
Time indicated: 4:32
